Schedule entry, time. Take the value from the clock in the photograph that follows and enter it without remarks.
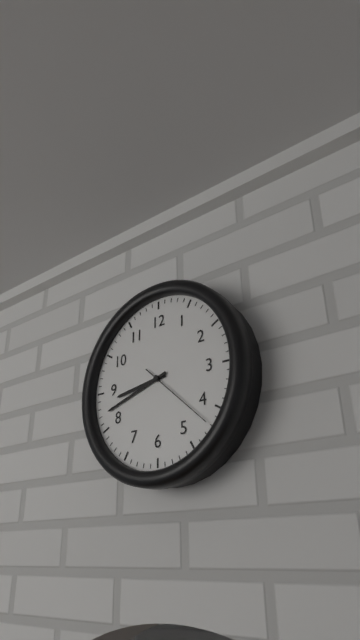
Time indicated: 8:42:22
